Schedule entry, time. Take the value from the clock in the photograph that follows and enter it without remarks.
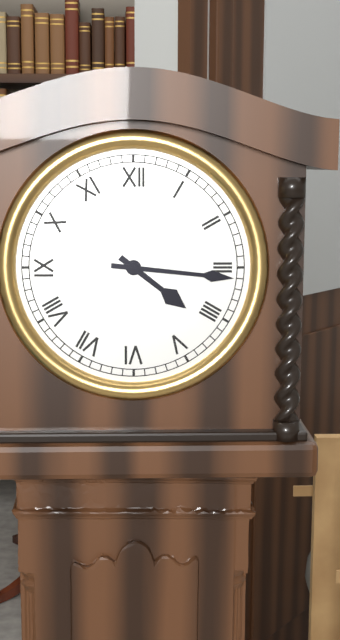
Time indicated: 4:16
